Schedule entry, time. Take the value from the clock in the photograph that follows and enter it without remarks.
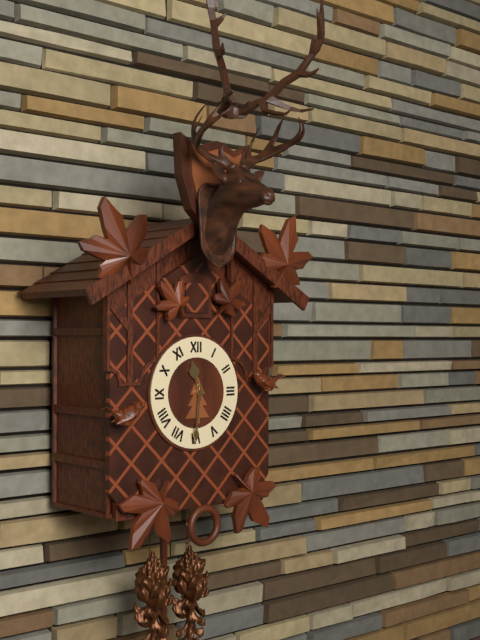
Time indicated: 11:31
